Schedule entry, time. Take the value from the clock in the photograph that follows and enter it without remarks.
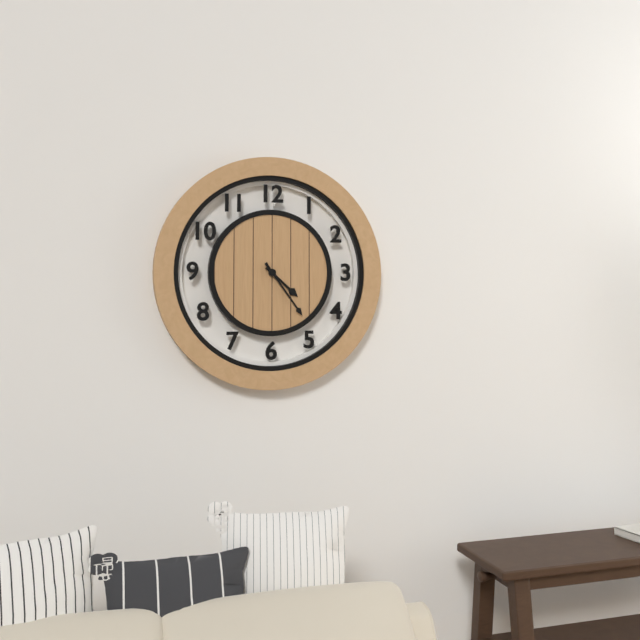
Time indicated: 4:24
